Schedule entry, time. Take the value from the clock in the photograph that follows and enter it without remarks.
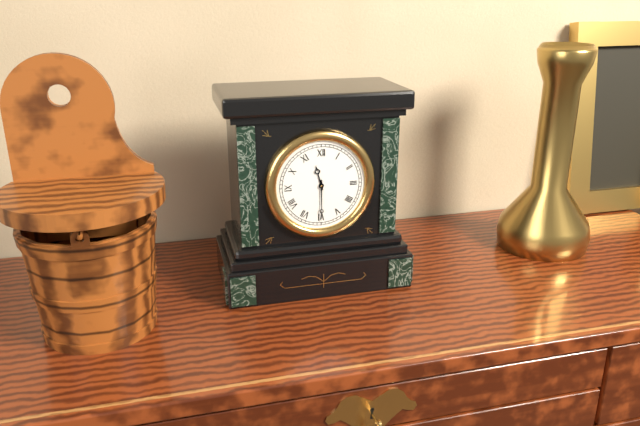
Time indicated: 11:30
